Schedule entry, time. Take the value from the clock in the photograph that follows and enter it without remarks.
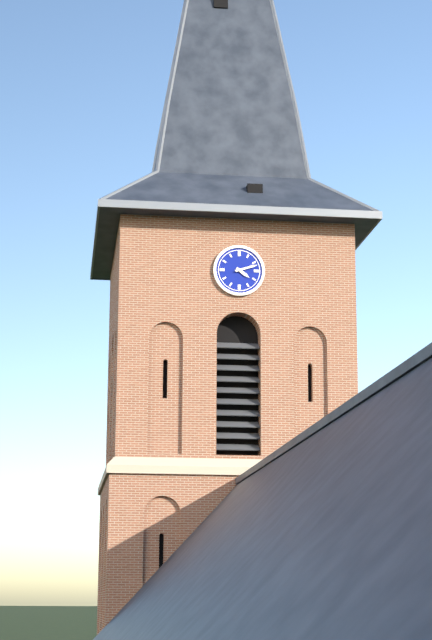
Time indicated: 4:12
